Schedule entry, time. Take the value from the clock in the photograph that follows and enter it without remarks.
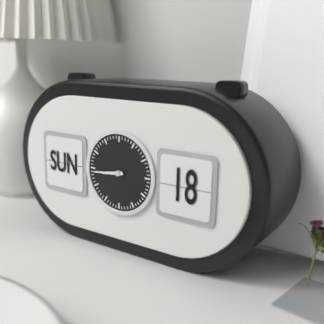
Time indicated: 8:44
